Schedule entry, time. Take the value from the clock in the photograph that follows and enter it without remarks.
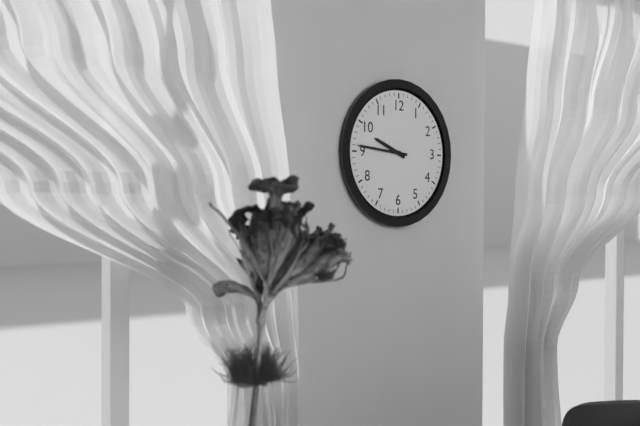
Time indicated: 9:46
